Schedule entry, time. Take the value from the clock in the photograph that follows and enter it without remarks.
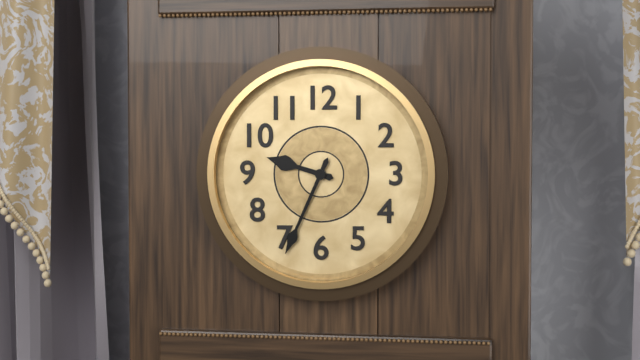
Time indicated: 9:34
